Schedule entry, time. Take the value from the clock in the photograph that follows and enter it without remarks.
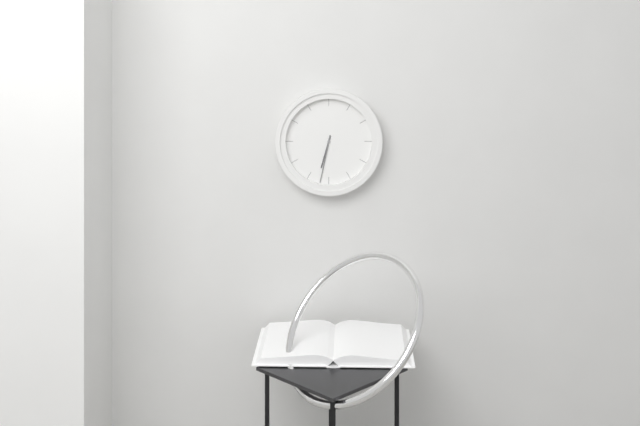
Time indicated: 6:32
